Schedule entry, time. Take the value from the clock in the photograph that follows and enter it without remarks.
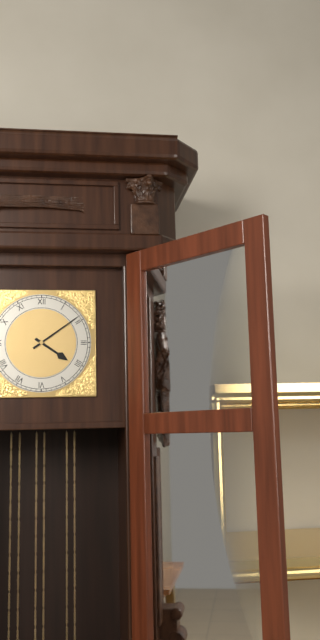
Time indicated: 4:09
